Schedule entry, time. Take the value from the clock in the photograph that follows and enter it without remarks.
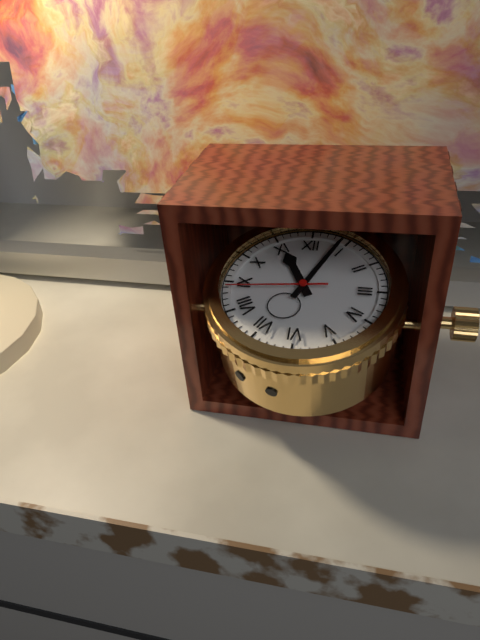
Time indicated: 11:04:44
